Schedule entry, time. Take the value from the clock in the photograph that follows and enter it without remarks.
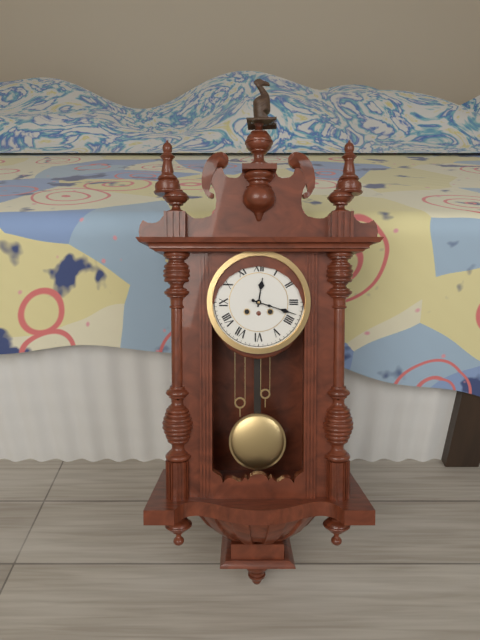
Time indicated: 12:18
